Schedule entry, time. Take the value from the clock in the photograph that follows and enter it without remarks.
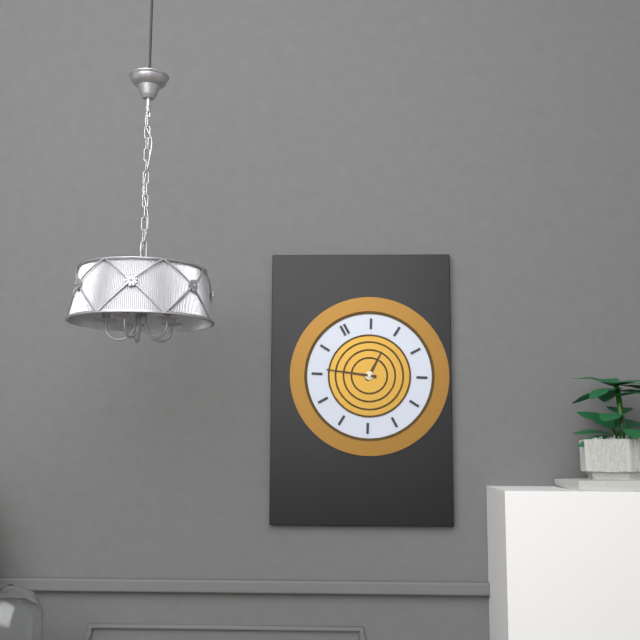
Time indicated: 1:51
